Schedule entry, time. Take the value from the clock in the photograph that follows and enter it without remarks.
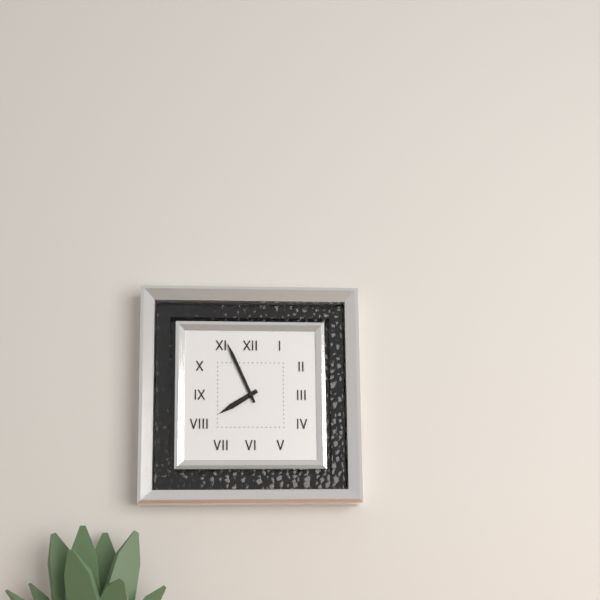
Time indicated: 7:56
